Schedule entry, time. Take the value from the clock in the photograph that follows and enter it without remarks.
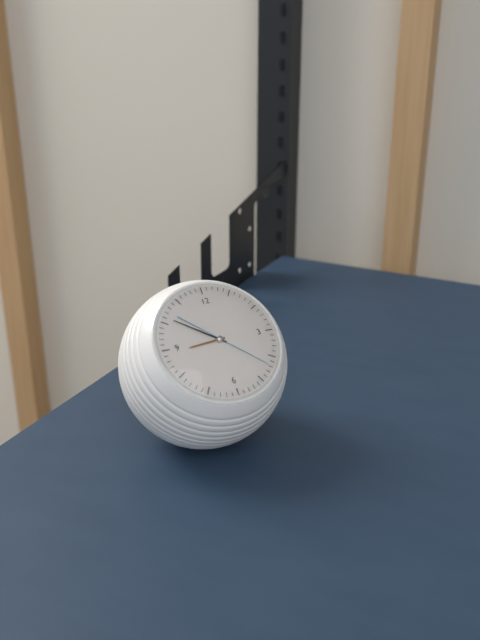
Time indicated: 8:51:22
